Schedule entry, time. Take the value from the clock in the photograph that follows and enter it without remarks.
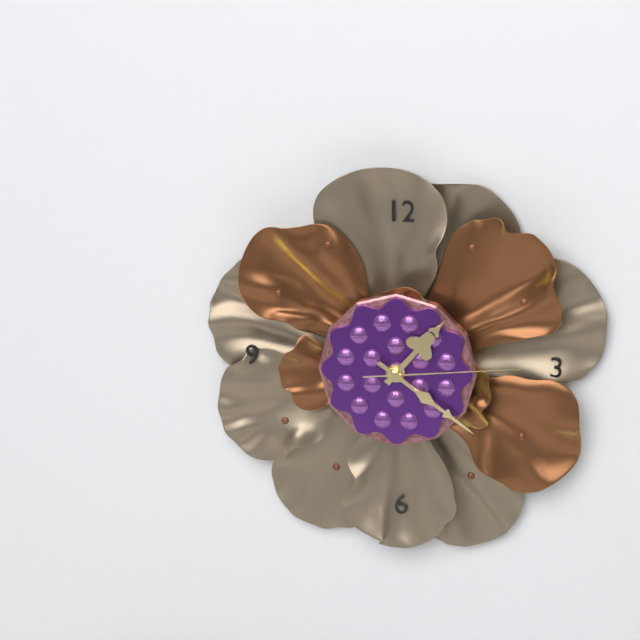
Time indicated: 1:21:14
